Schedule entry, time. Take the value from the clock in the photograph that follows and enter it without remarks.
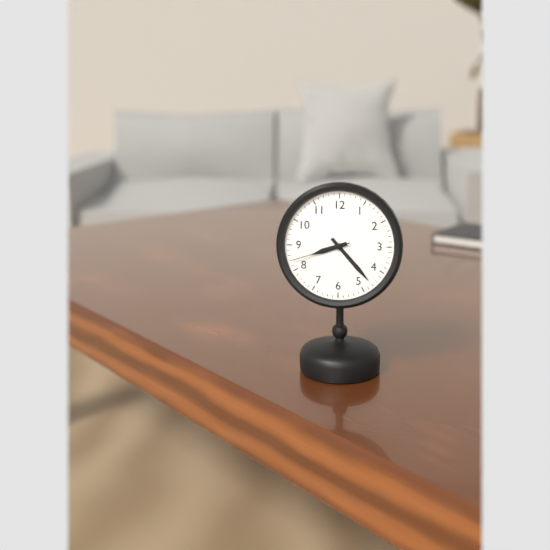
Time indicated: 8:23:42
